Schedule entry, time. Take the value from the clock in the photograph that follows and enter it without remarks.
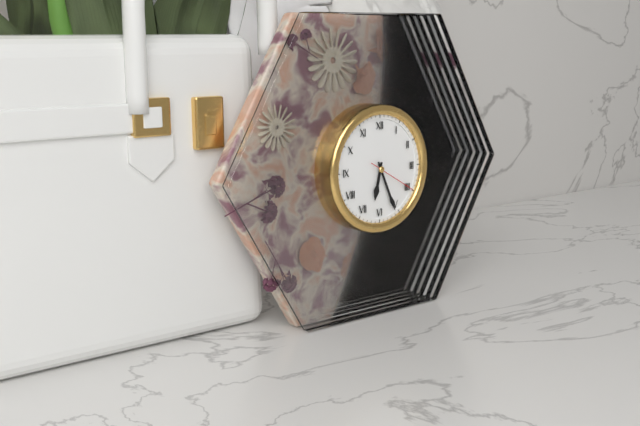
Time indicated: 6:26
